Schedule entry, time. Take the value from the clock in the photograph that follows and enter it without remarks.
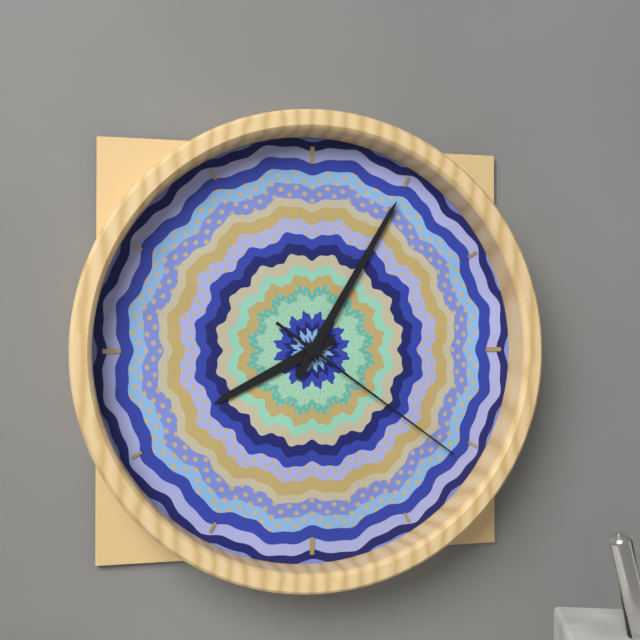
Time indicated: 8:05:21
